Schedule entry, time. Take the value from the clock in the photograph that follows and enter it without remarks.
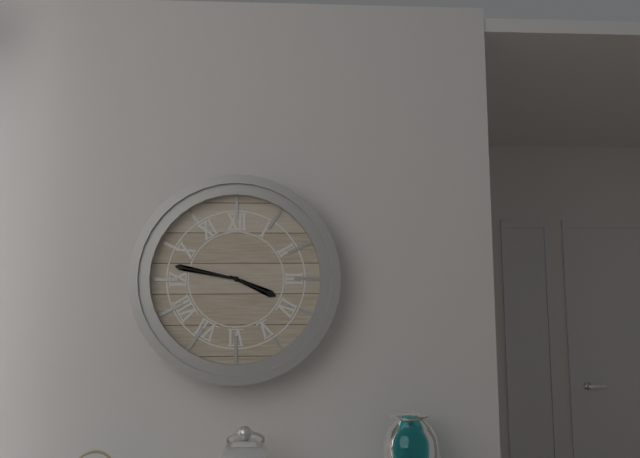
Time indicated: 3:47
